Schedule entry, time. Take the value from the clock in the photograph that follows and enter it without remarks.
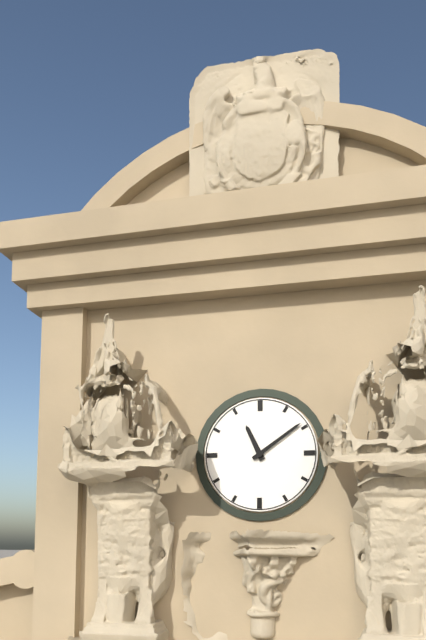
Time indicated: 11:09
